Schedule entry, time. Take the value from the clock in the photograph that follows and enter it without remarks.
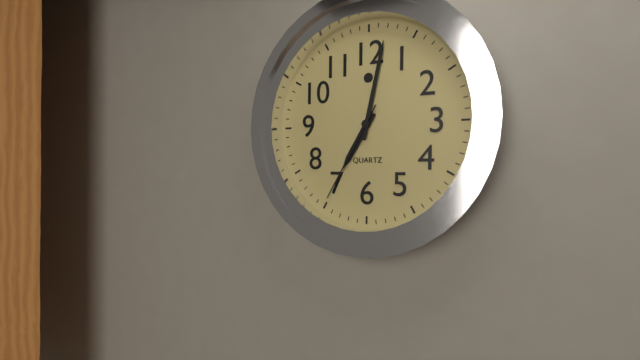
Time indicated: 7:02:35
